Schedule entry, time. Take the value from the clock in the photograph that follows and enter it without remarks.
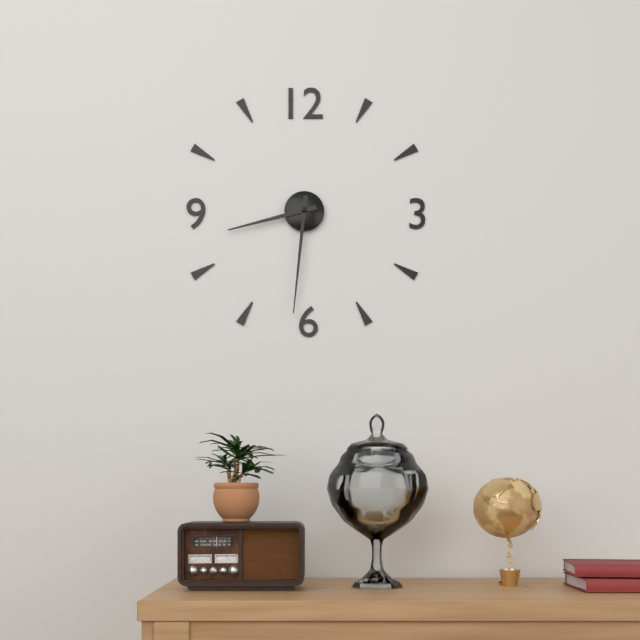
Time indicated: 8:31
